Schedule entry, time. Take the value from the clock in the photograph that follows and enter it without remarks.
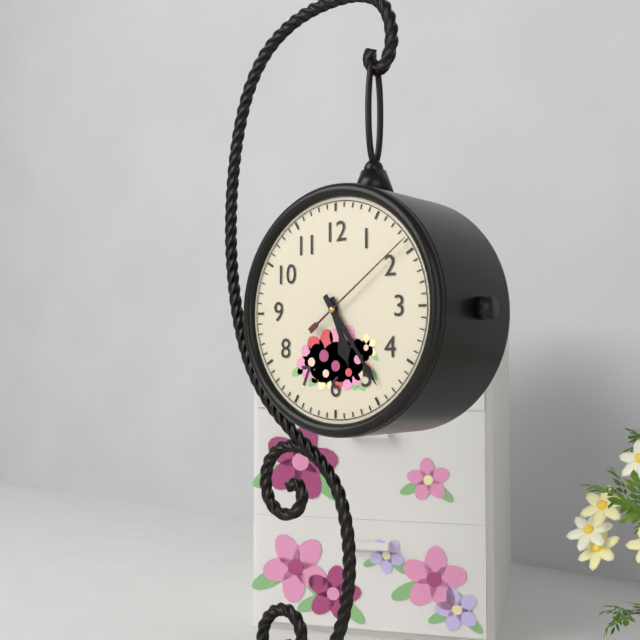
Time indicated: 5:24:09
